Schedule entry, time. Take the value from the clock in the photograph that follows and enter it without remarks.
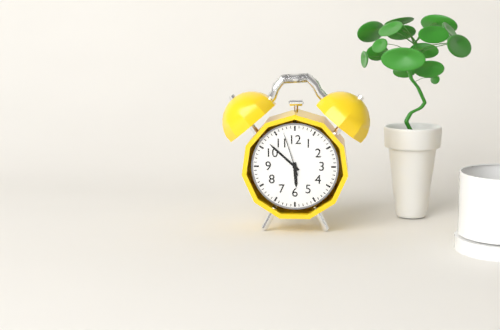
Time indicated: 5:52
